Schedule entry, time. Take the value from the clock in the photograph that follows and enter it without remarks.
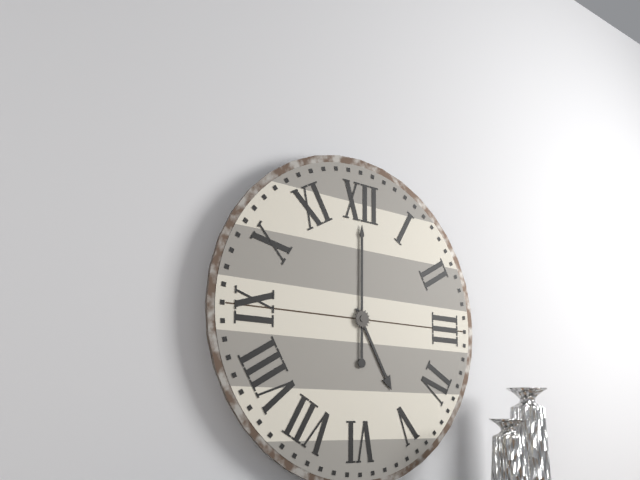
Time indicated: 5:00
